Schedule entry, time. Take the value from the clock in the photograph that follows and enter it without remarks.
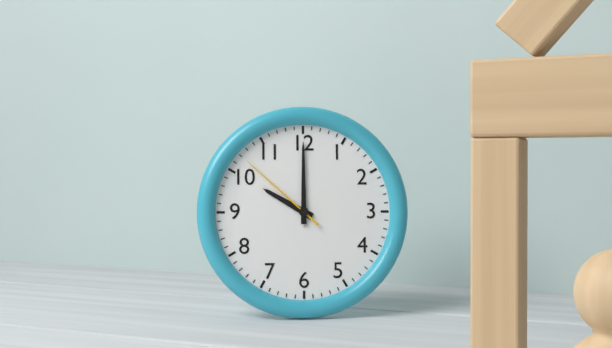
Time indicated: 10:00:52
